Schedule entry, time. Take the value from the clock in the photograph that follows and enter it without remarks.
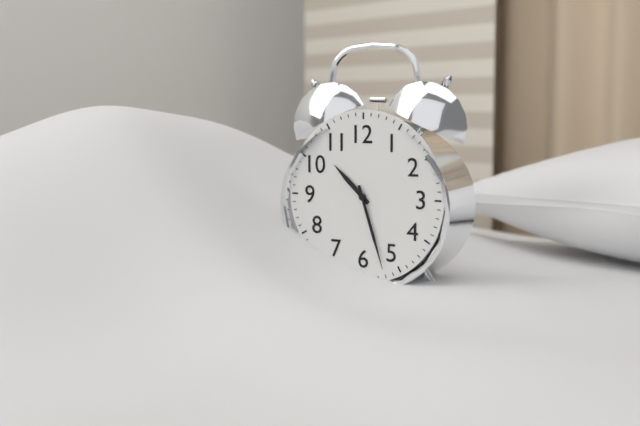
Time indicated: 10:27
